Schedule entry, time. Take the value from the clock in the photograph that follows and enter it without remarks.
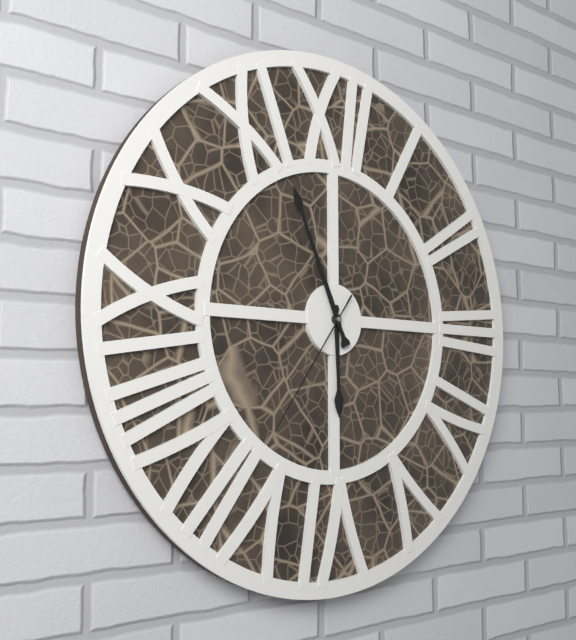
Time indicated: 5:56:36
